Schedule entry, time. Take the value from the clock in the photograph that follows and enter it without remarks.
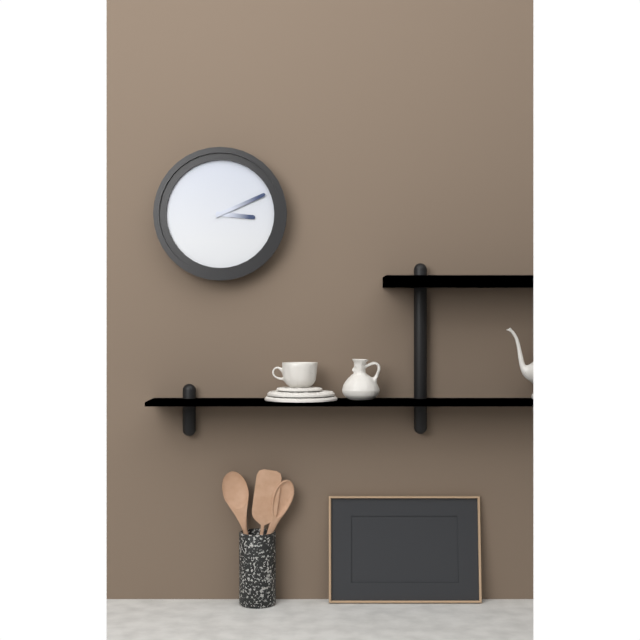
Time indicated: 3:11
